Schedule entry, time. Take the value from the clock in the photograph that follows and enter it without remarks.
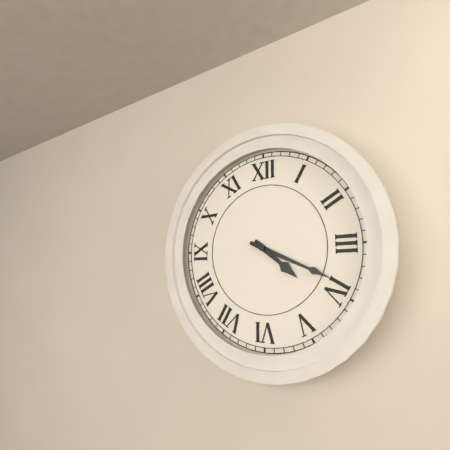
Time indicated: 4:19
